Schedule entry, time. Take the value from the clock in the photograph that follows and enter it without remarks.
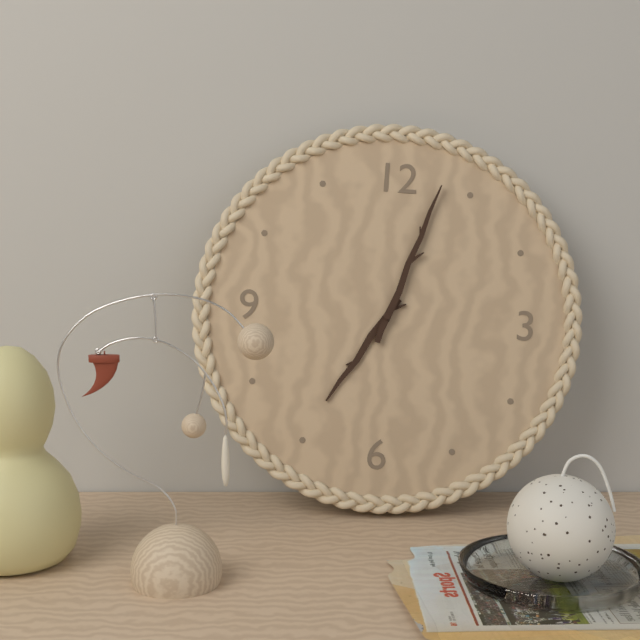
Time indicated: 7:03
